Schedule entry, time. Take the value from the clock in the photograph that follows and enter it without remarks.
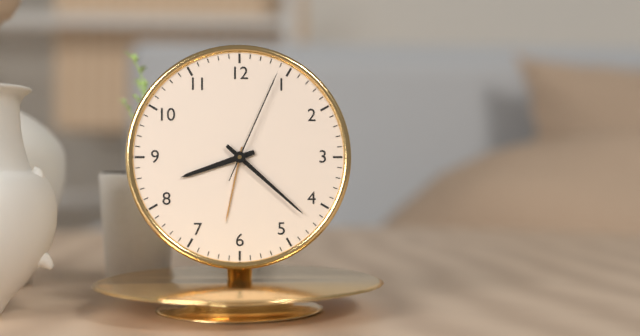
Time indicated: 8:22:04
